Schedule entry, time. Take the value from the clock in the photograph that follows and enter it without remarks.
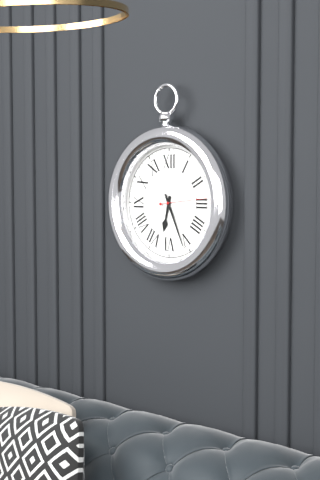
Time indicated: 6:26
